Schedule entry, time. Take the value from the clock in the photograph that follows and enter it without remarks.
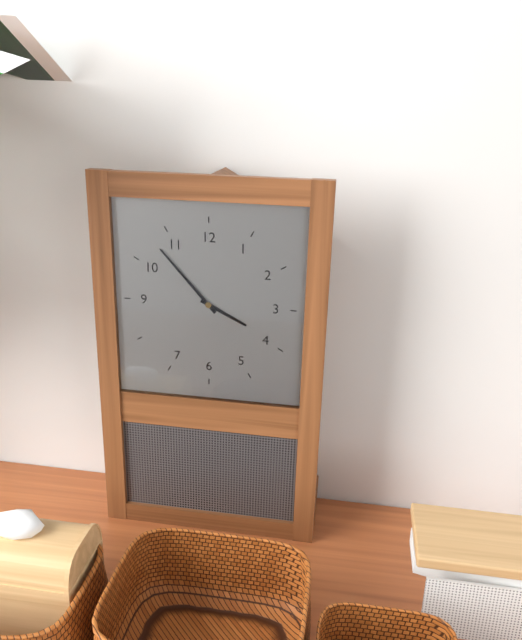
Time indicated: 3:53
